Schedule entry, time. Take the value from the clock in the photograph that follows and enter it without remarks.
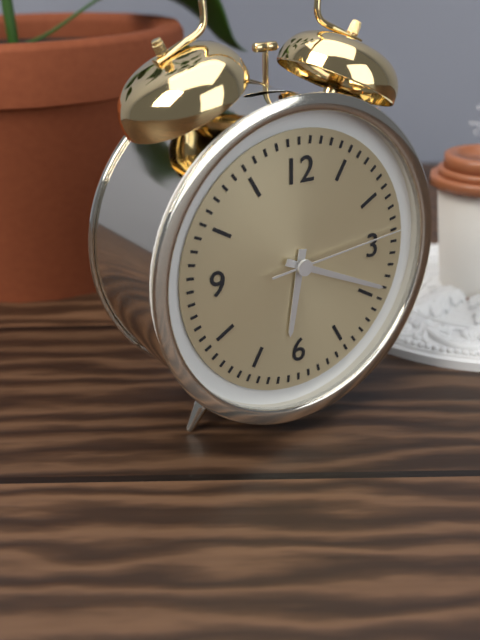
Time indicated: 6:19:14
